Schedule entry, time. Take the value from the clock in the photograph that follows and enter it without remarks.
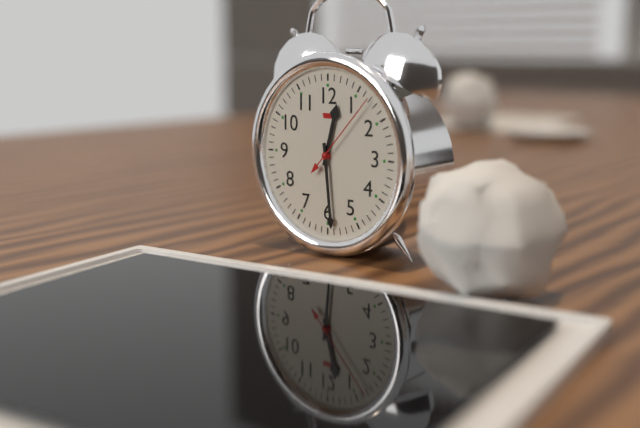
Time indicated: 12:29:07
